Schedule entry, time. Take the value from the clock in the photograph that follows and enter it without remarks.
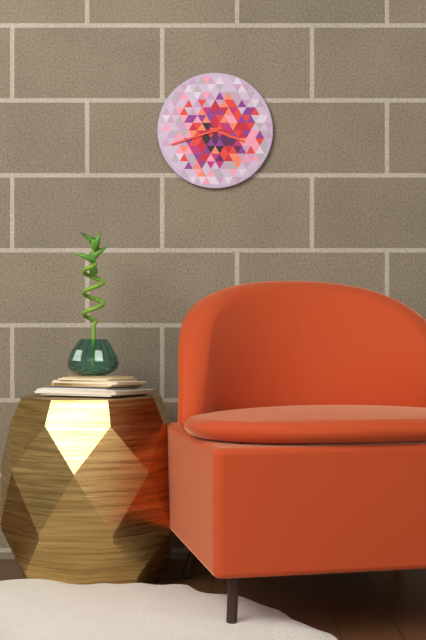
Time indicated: 3:42
